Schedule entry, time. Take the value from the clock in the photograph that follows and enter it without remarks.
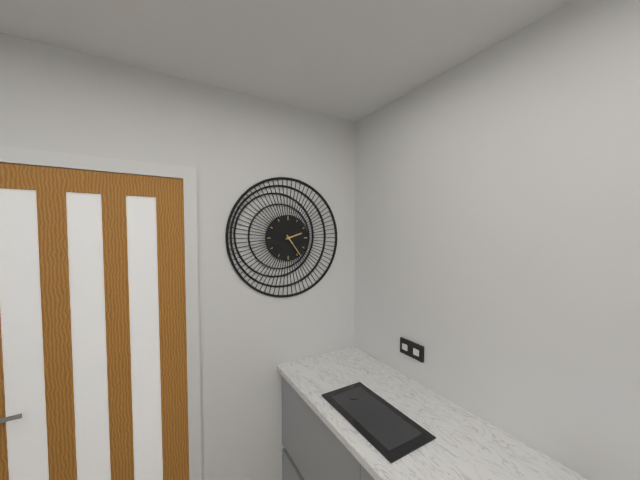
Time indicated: 2:24
